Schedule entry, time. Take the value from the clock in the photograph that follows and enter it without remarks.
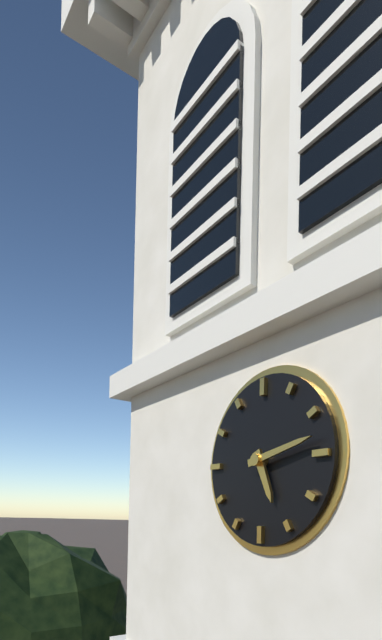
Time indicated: 5:13
